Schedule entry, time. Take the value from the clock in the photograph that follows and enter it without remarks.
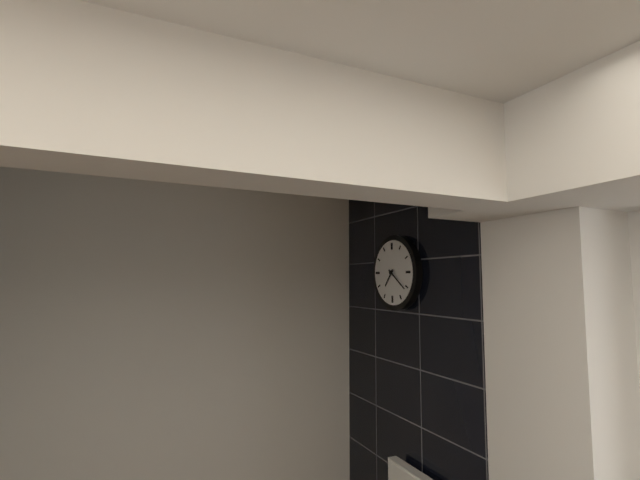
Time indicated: 7:21
